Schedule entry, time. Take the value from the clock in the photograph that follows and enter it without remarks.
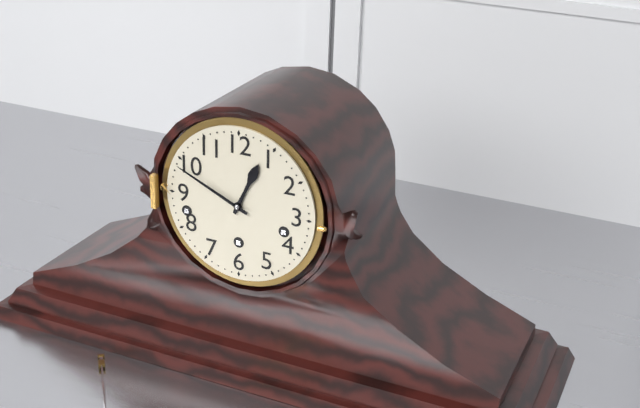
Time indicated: 12:49
